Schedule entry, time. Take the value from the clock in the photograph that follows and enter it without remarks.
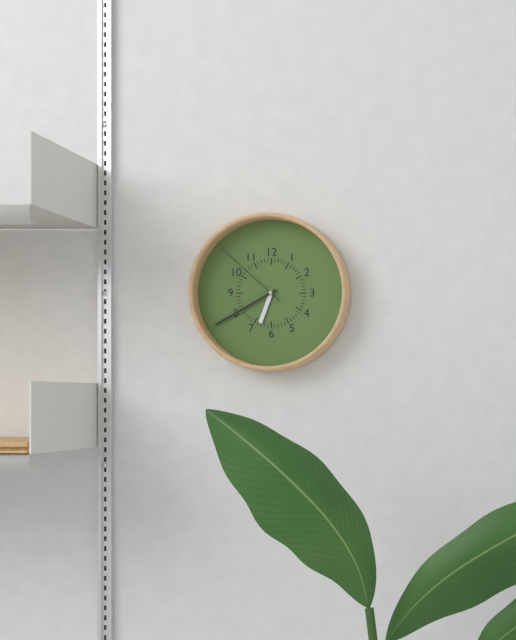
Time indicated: 6:40:52
